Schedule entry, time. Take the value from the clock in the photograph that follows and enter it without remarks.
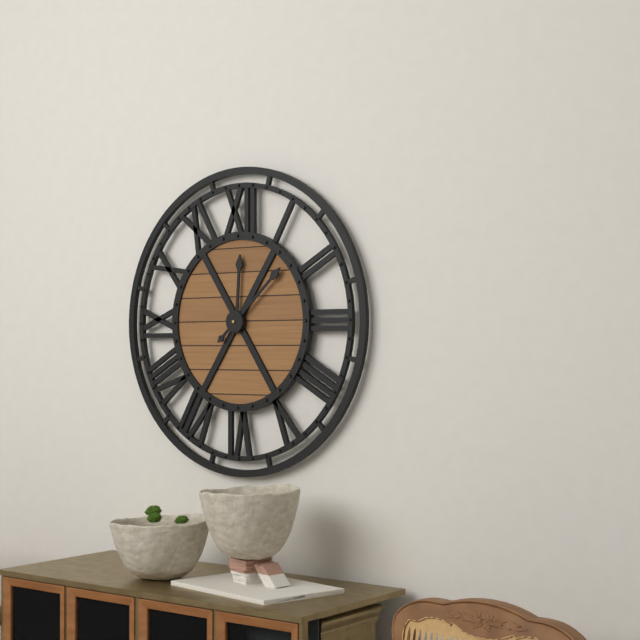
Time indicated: 12:08
